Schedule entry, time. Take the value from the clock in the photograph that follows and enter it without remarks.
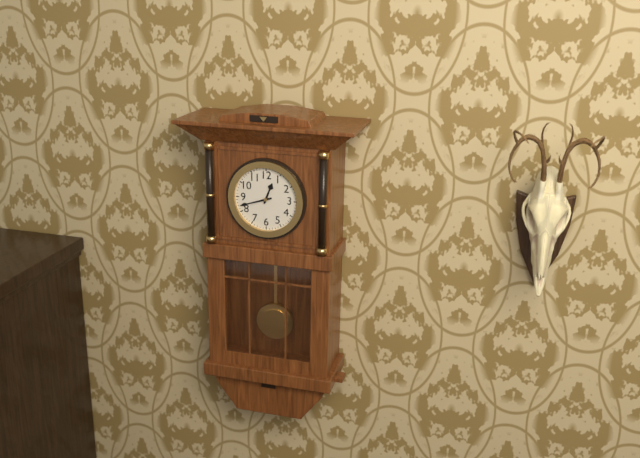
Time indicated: 12:42
